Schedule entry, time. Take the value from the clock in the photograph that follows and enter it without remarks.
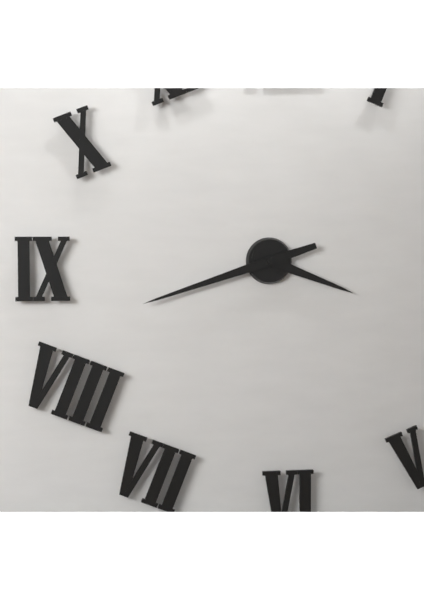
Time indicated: 3:42
